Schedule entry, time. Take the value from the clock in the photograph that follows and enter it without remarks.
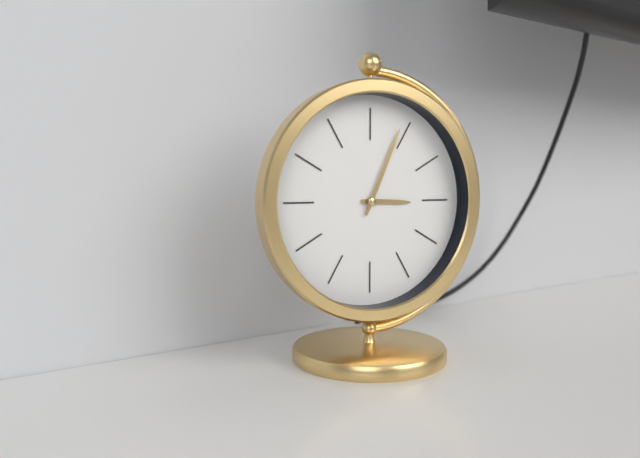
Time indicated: 3:04
